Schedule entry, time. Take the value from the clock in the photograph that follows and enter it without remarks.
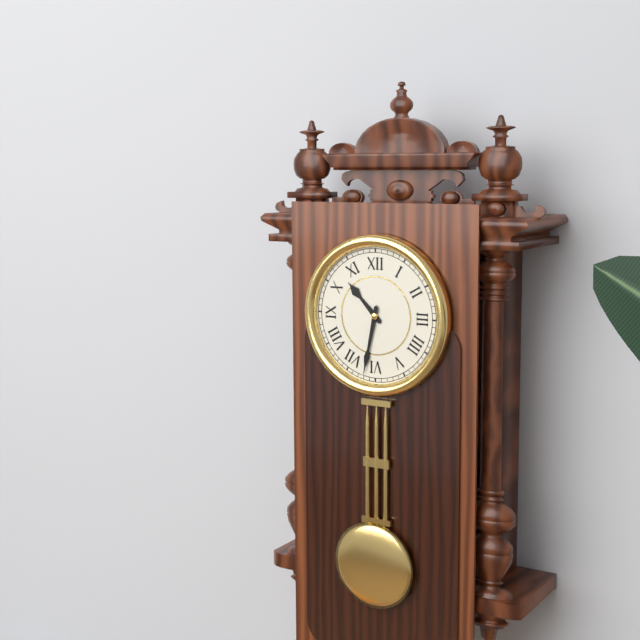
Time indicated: 10:32
